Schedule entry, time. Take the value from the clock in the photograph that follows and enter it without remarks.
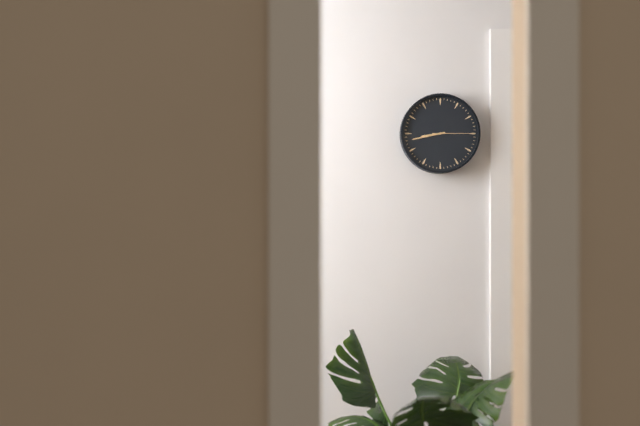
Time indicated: 8:43
